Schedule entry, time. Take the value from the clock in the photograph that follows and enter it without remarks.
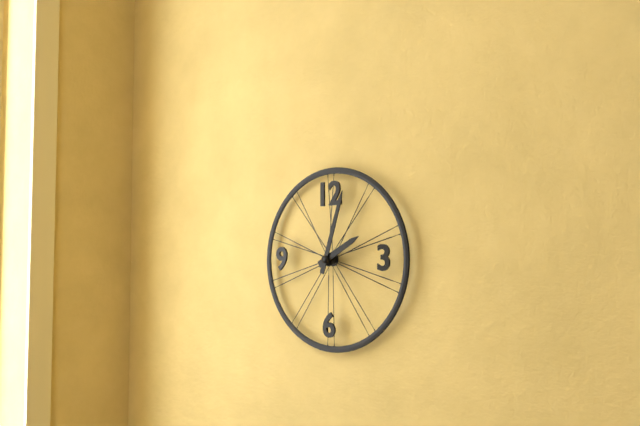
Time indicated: 2:03
